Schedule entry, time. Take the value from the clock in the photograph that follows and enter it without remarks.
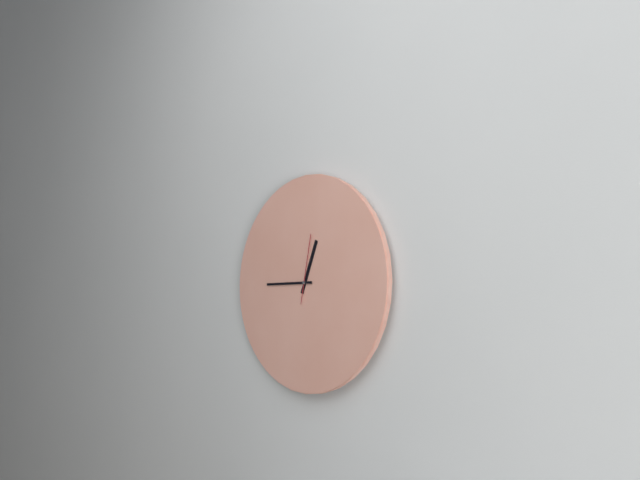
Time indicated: 12:45:02
